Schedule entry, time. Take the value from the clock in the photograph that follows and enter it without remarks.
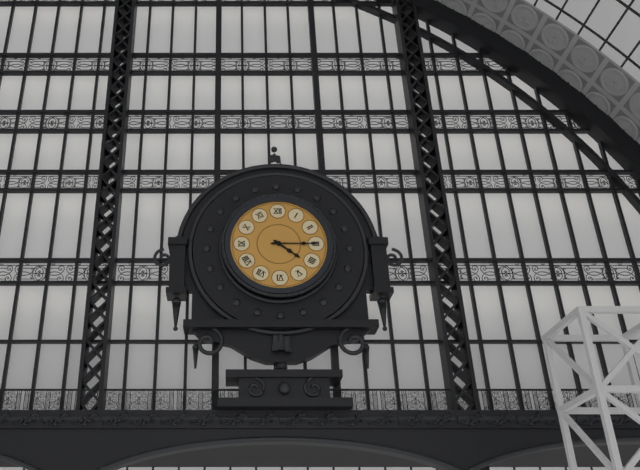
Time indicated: 4:15
